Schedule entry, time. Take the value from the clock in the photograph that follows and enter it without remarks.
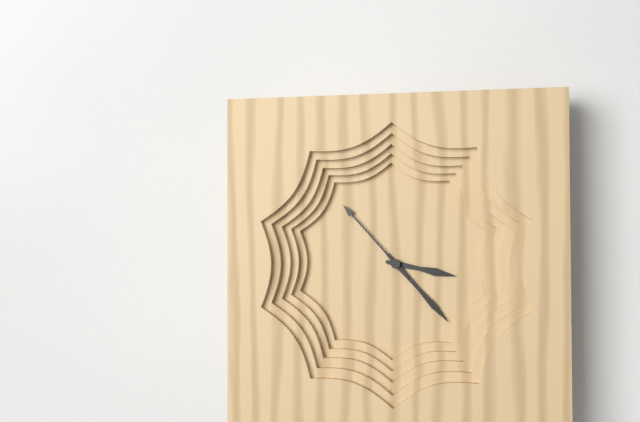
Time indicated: 3:23:53
